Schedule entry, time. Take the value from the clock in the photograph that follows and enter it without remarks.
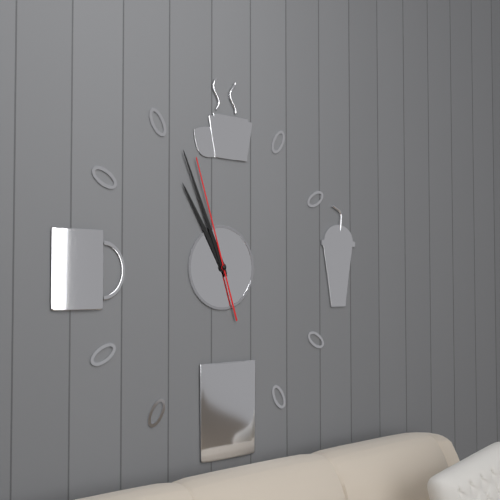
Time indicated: 10:56:57
